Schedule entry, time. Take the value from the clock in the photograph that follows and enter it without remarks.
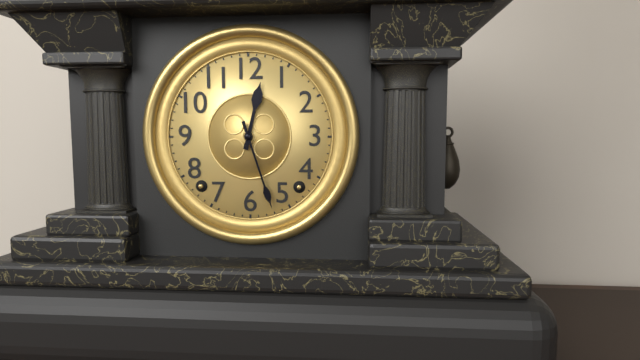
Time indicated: 12:27
